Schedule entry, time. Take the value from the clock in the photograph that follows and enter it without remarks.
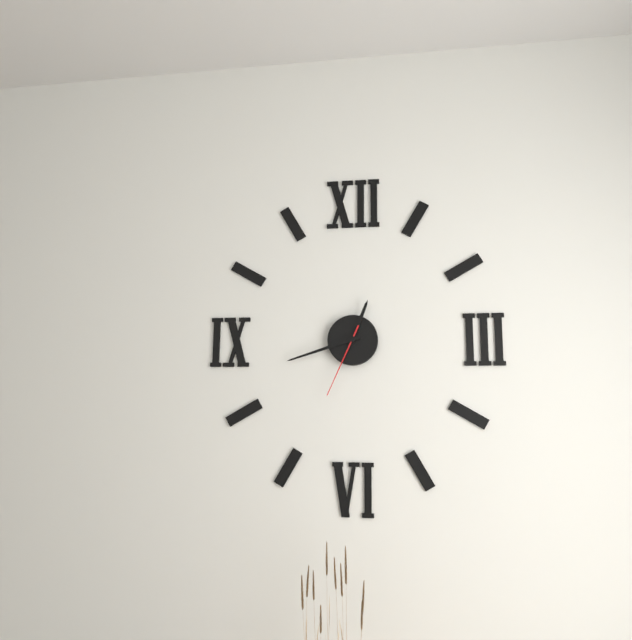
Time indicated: 12:42:34
